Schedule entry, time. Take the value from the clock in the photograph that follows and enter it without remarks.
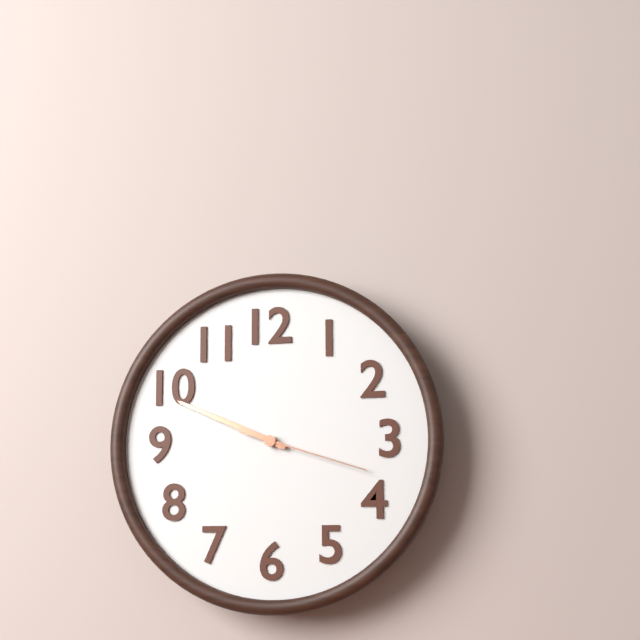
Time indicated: 9:49:18
